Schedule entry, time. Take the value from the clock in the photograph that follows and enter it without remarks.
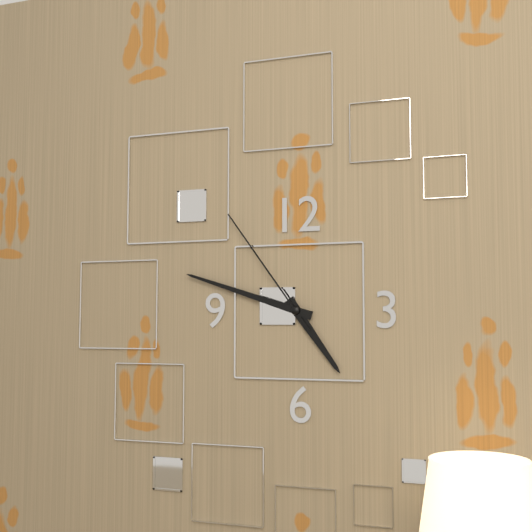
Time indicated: 4:48:54
